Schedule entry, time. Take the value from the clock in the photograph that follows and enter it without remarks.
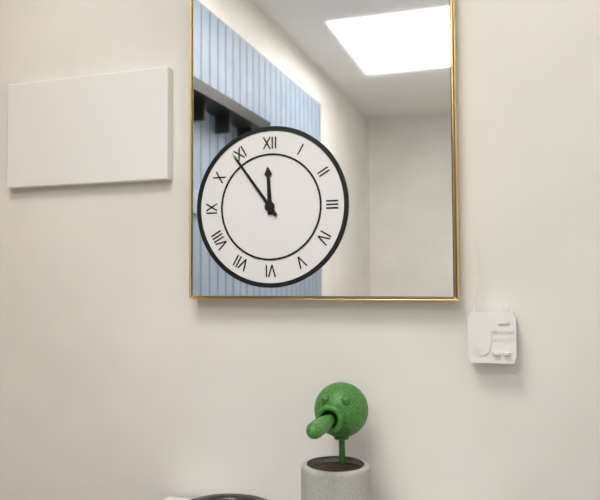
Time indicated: 11:54
